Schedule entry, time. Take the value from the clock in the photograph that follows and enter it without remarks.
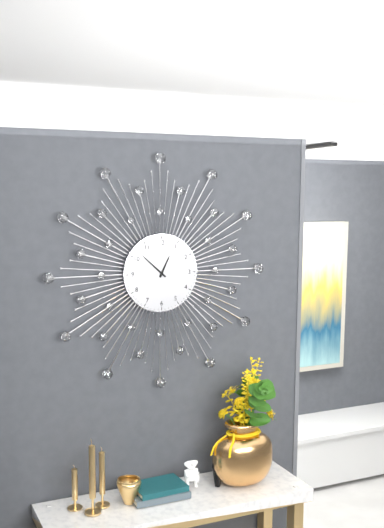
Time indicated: 12:52
